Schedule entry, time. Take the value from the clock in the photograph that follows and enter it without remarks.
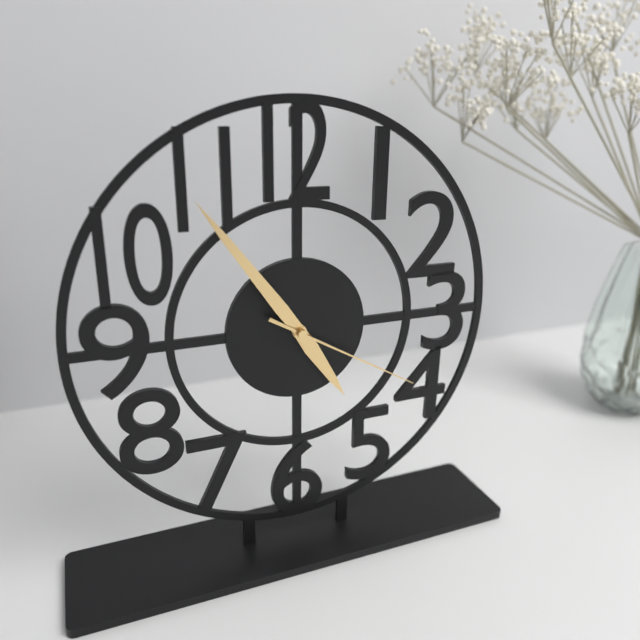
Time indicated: 4:54:20
